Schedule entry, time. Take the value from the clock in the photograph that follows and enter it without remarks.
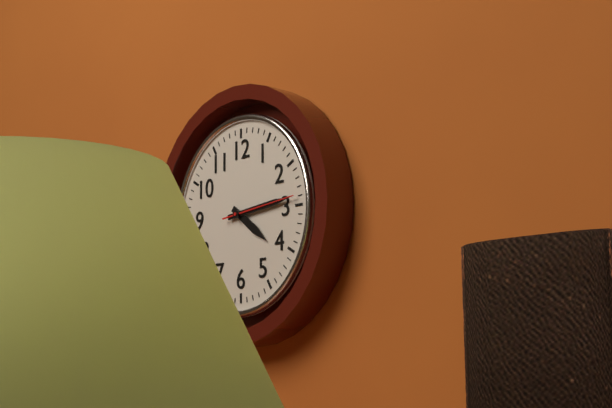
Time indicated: 4:14:14
